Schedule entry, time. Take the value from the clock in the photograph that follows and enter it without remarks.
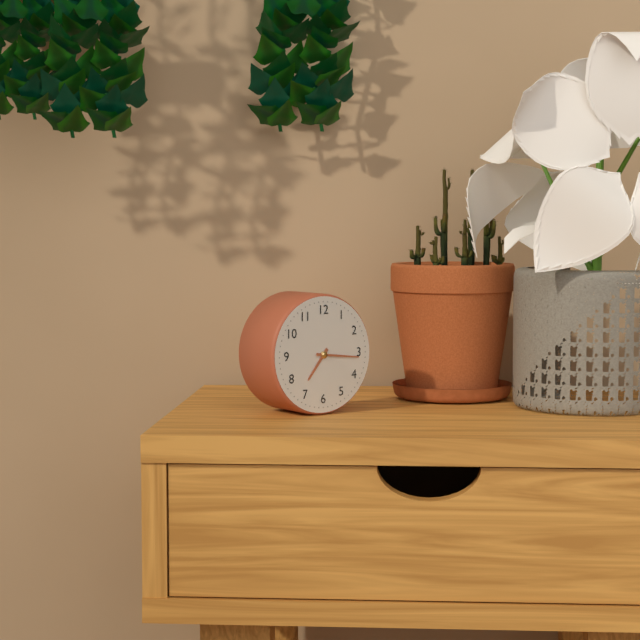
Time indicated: 7:16
